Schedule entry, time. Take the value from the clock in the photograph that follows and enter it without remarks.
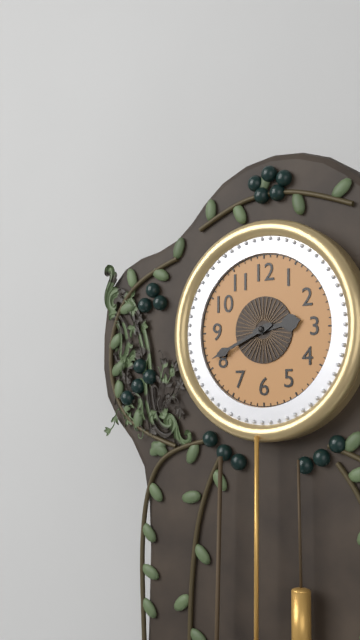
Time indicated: 2:41
